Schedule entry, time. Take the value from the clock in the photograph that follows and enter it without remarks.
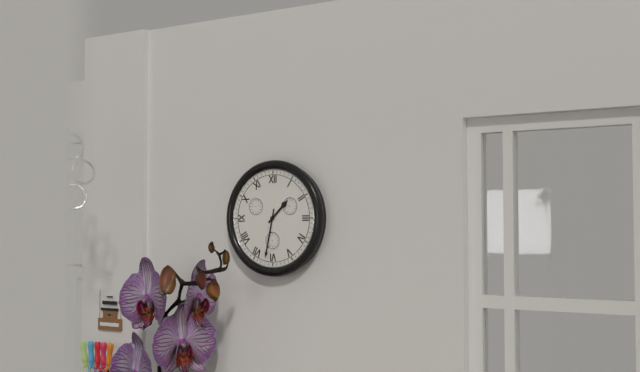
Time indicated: 1:32
